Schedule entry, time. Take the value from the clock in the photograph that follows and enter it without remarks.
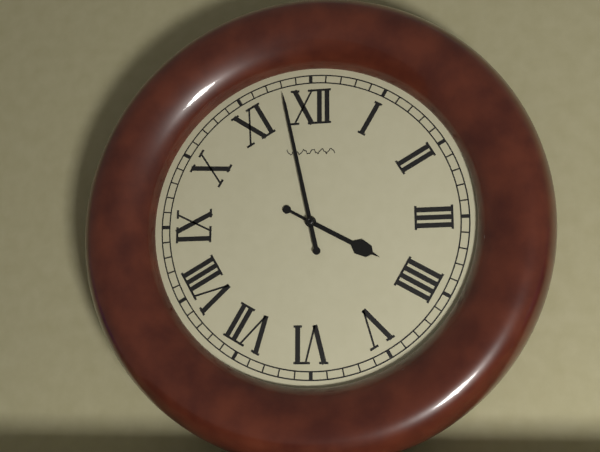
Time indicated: 3:58
